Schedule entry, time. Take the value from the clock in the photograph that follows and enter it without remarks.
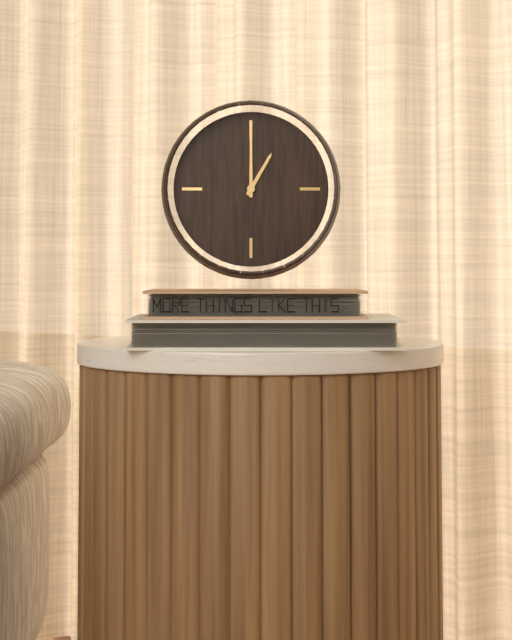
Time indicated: 1:00
